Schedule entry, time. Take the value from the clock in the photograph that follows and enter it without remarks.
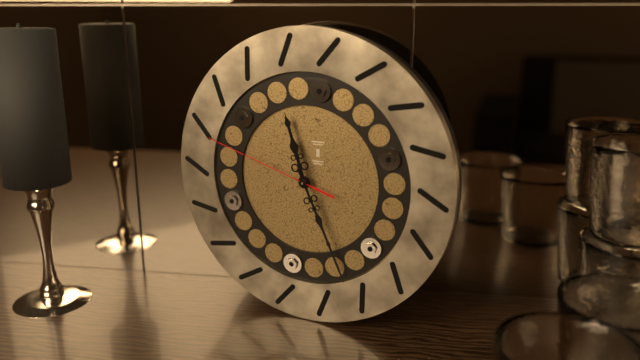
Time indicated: 11:26:48
